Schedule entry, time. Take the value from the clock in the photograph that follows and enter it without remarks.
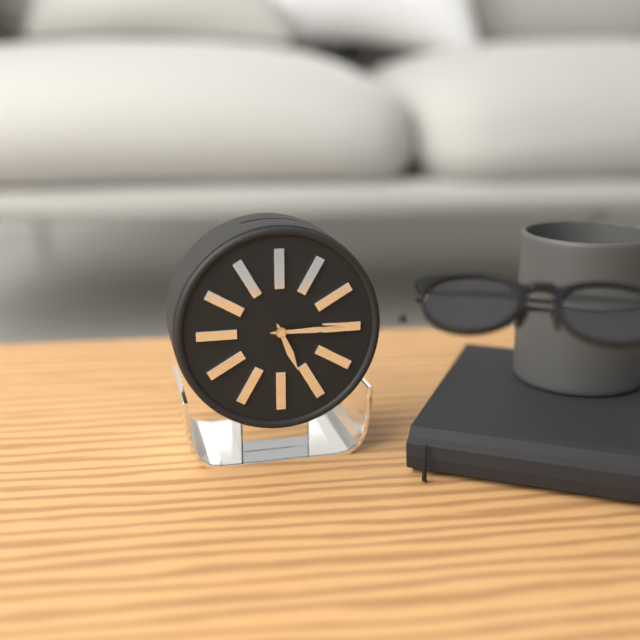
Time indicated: 5:15
